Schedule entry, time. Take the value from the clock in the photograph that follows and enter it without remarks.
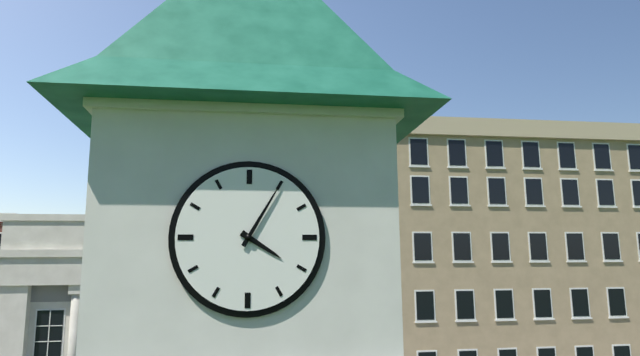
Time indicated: 4:05
